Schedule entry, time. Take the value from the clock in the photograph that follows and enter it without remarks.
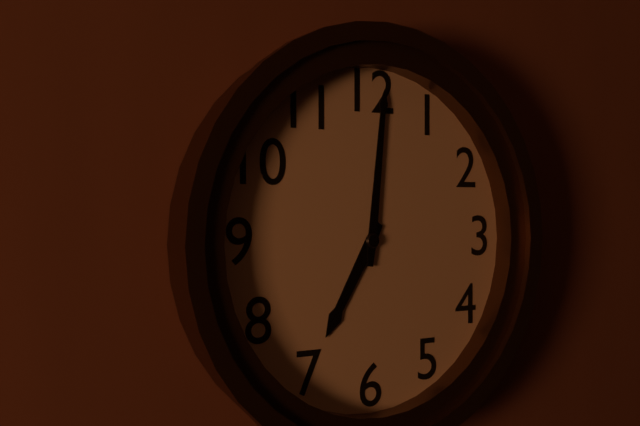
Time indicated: 7:01
